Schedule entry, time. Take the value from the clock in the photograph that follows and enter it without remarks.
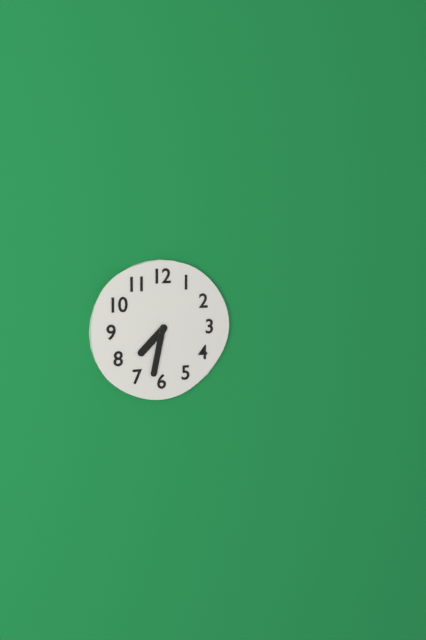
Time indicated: 7:32
